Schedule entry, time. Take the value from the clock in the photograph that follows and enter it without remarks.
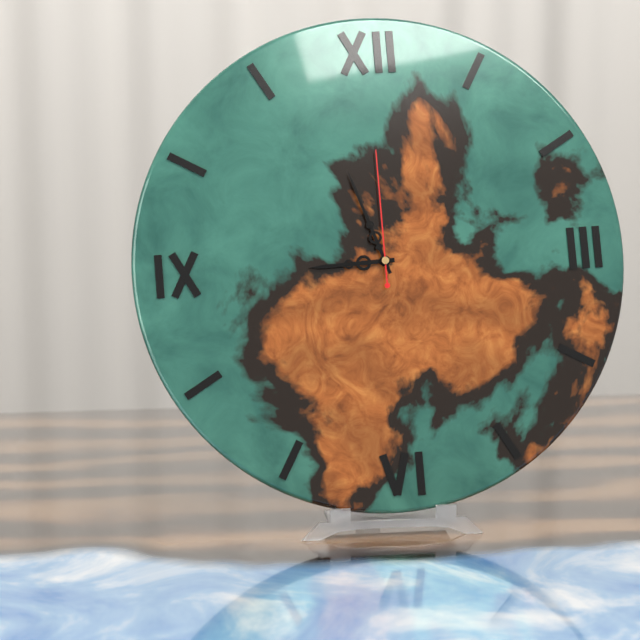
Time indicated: 8:57:00
